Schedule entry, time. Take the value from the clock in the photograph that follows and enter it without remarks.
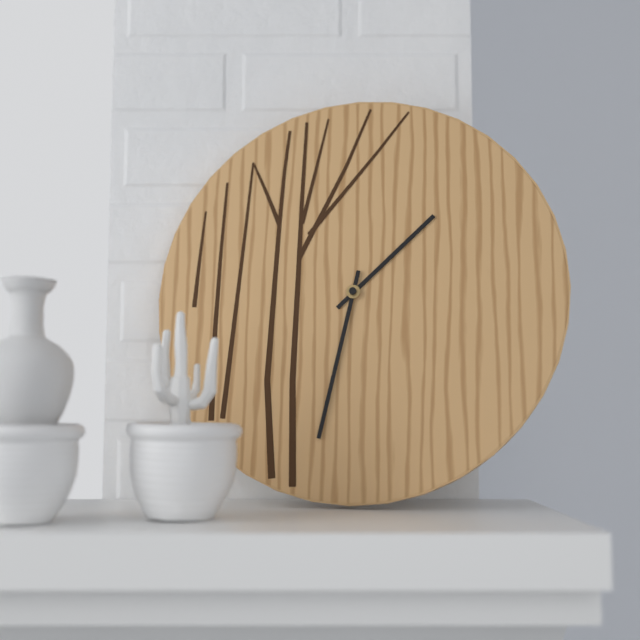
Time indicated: 1:32
